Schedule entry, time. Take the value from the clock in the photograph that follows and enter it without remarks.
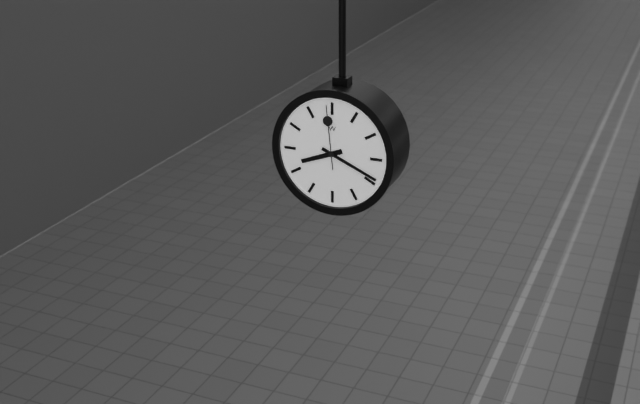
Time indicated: 8:19:59
